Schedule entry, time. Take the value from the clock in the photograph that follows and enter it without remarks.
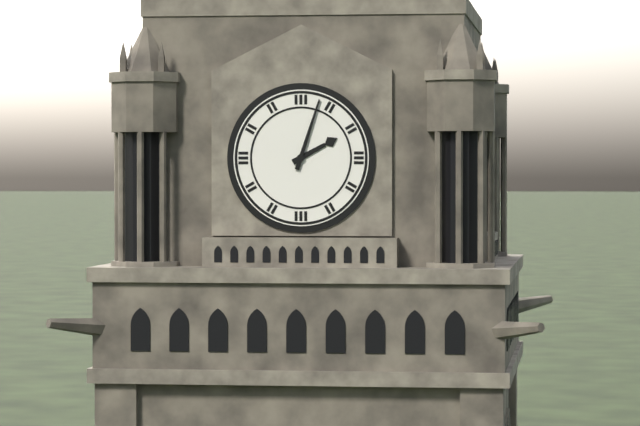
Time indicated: 2:03
